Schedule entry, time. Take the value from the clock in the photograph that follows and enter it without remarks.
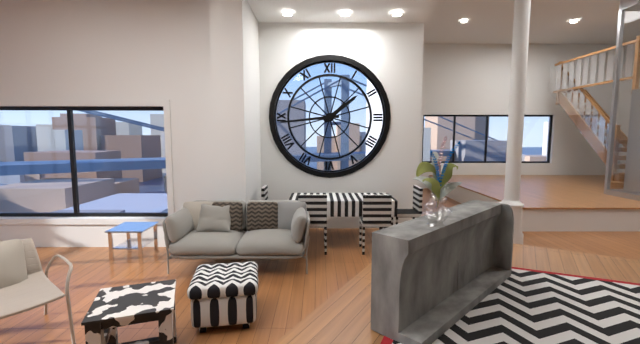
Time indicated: 1:44
